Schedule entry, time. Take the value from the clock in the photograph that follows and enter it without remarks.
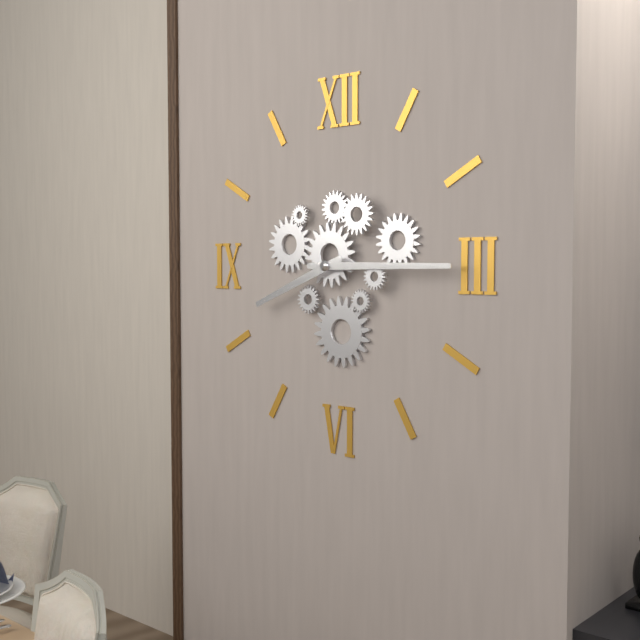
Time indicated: 8:15
